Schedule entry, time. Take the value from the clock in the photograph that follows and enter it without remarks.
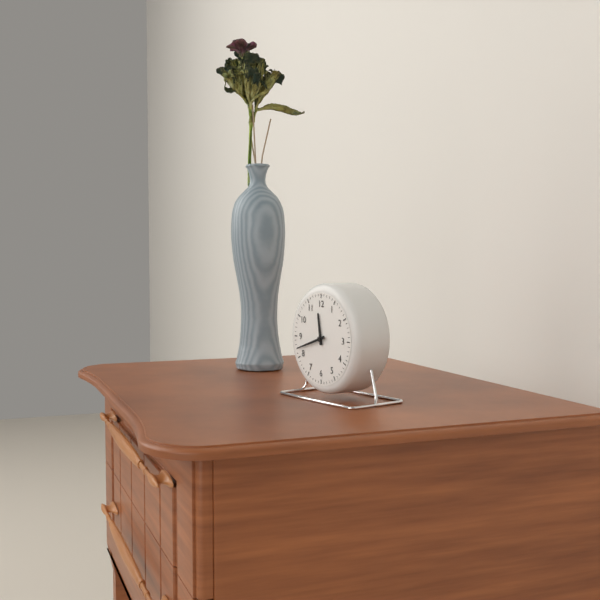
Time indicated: 11:42
